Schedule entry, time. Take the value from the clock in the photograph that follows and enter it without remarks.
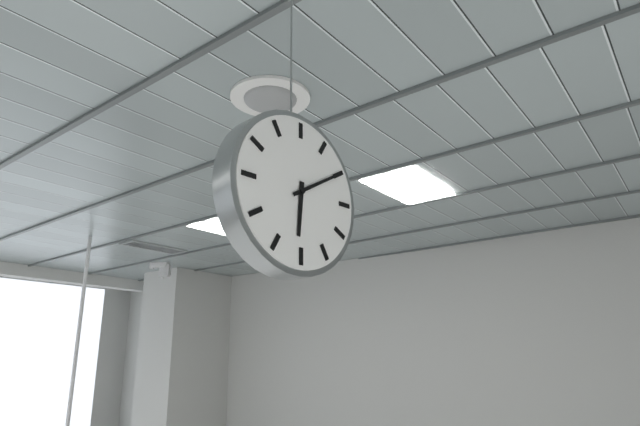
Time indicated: 6:10
